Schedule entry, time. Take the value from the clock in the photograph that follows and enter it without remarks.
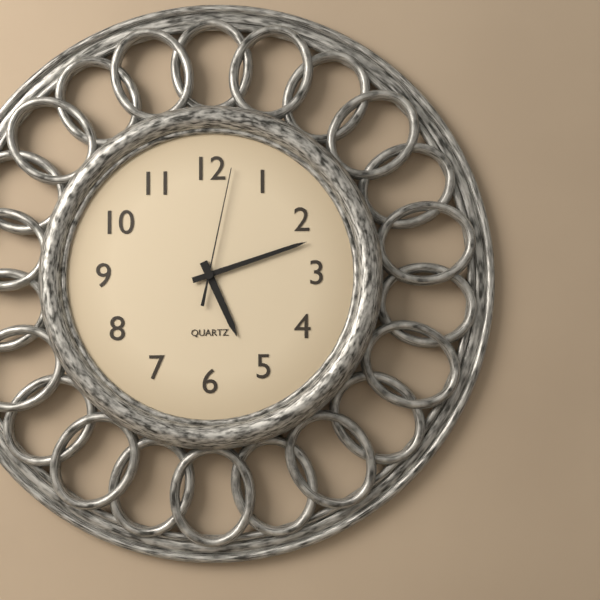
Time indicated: 5:12:02
